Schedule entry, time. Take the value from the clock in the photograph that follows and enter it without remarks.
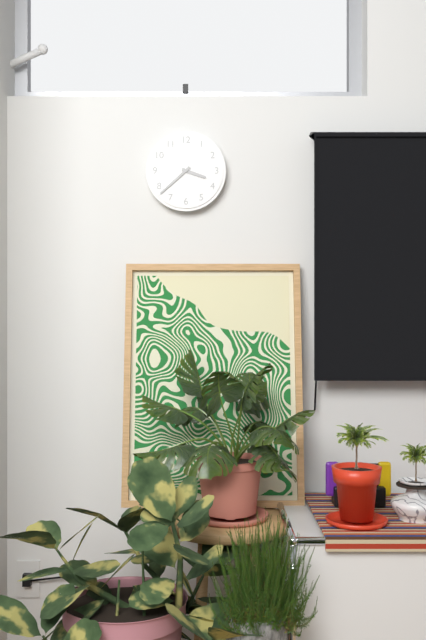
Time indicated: 3:38
